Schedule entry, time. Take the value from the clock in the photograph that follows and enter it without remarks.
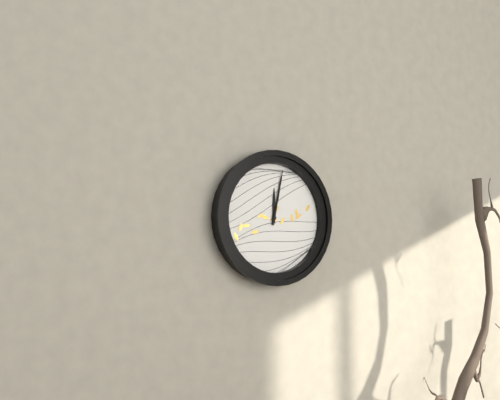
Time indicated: 12:02
